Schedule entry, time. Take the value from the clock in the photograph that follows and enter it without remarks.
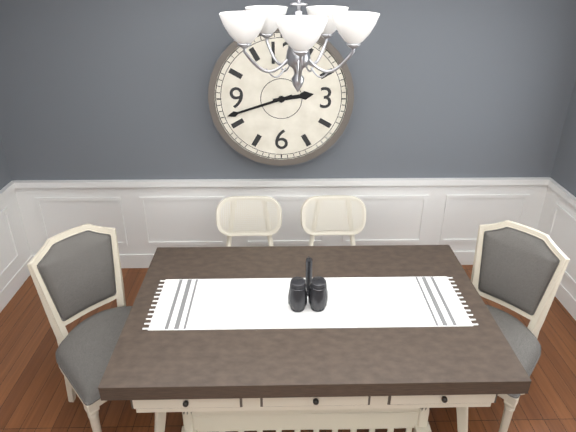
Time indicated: 2:42
